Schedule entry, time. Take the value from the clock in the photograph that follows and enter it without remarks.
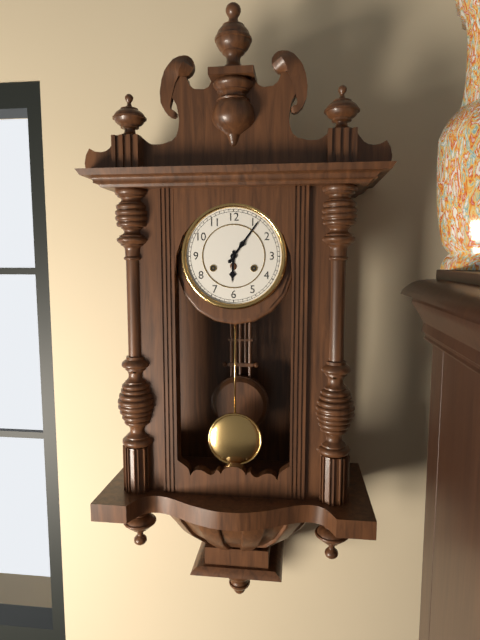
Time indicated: 6:06
